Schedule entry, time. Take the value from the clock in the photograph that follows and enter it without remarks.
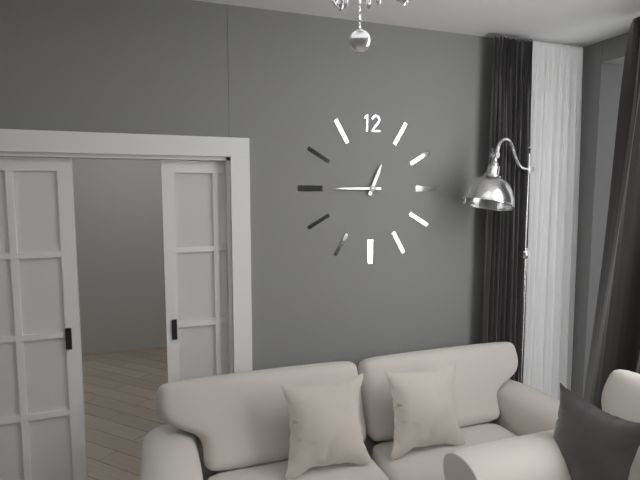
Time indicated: 12:45
